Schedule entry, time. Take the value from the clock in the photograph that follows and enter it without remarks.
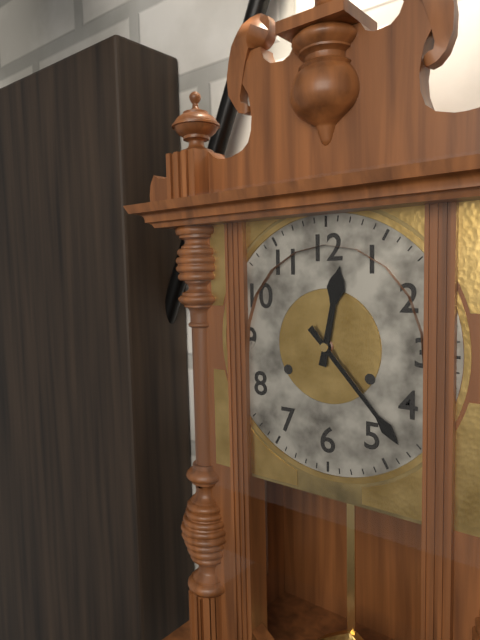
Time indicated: 12:23
